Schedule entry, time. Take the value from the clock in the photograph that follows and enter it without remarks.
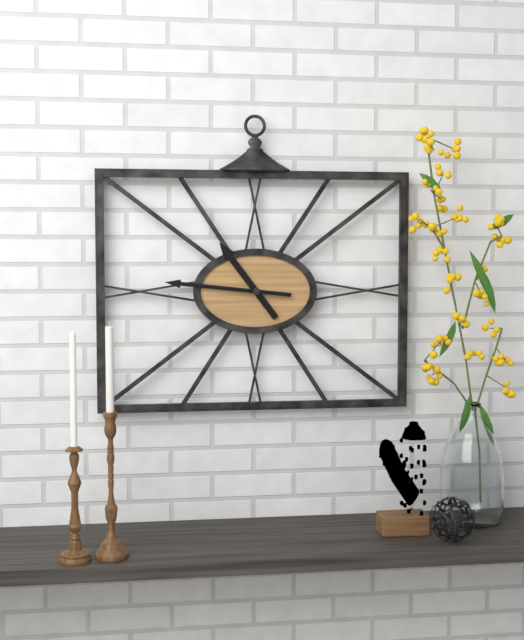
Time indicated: 10:46
